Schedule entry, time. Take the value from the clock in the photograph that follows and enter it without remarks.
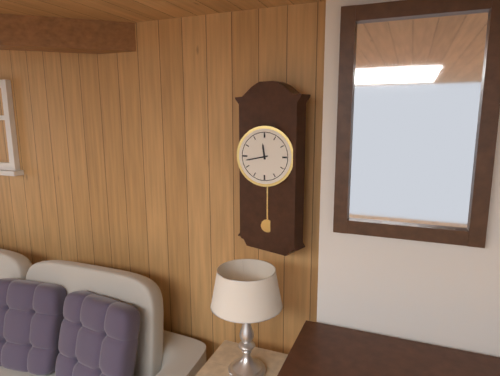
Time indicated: 11:43
